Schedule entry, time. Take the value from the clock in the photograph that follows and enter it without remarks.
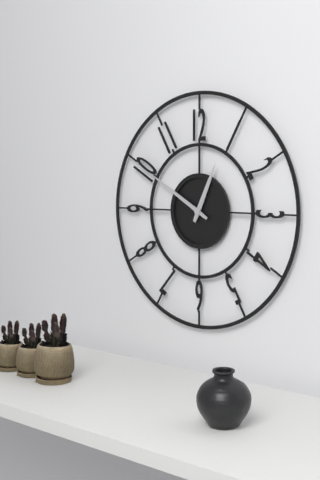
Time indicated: 12:50
